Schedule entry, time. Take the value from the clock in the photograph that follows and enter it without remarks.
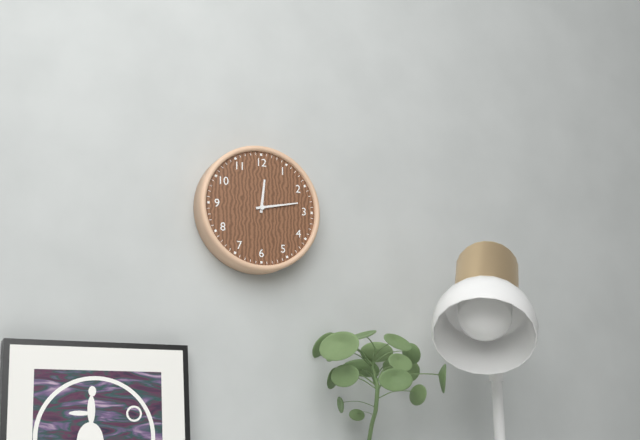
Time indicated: 12:13
